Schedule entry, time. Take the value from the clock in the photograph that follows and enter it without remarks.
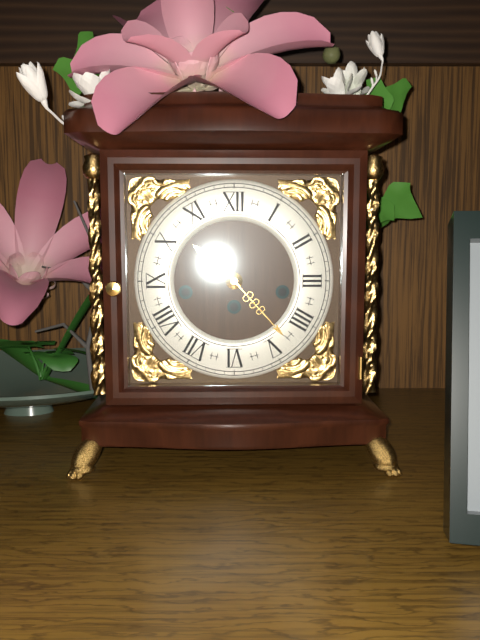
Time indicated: 10:23
